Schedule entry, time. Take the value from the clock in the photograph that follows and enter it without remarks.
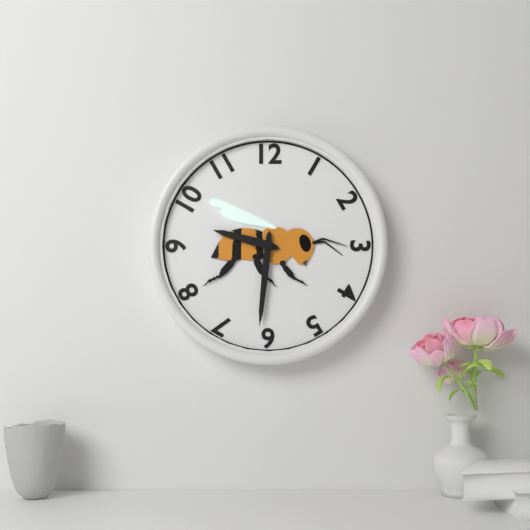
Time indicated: 9:31
